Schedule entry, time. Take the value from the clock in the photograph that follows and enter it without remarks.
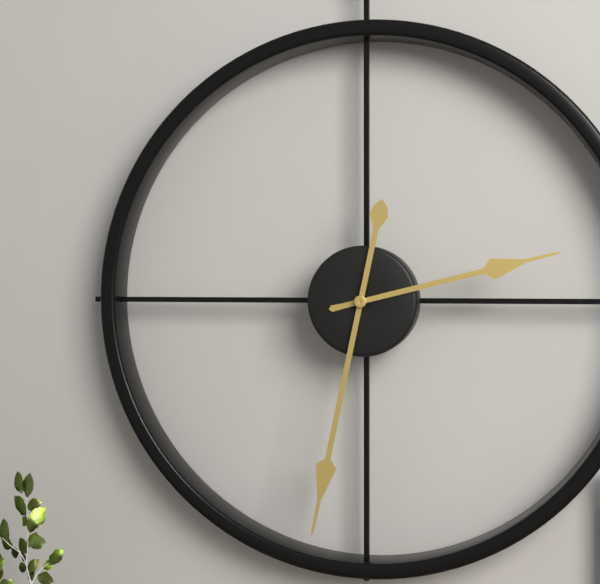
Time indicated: 2:32
